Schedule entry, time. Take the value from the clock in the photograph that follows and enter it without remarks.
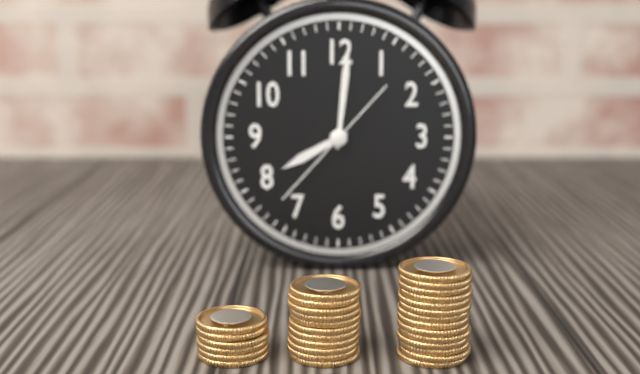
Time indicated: 8:01:37
